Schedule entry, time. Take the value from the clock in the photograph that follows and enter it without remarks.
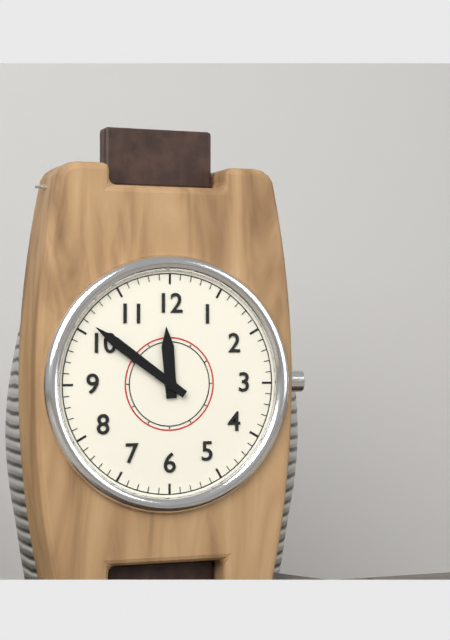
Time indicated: 11:51
